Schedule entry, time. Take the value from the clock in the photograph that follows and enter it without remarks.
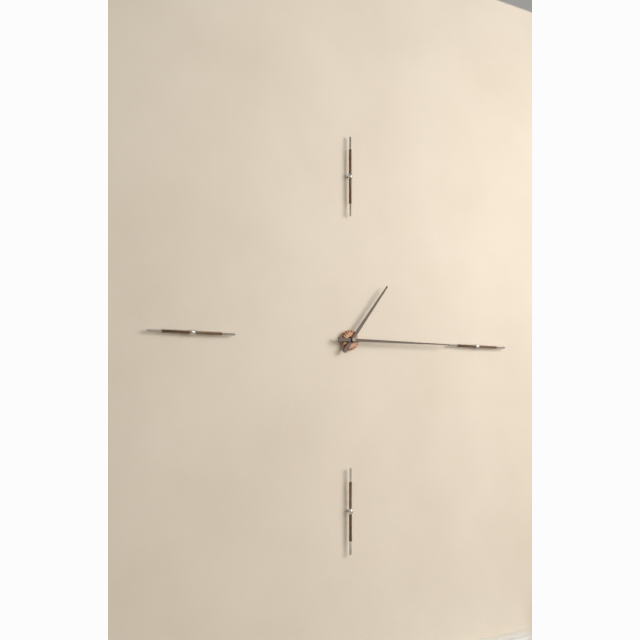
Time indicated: 1:15
